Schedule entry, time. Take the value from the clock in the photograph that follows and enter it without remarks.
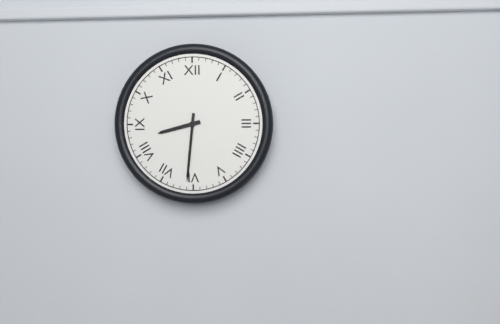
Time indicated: 8:31
